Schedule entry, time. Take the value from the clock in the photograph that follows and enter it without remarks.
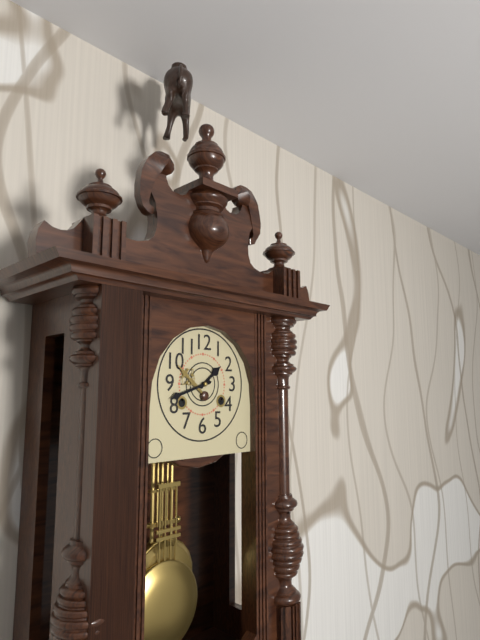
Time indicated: 1:42
